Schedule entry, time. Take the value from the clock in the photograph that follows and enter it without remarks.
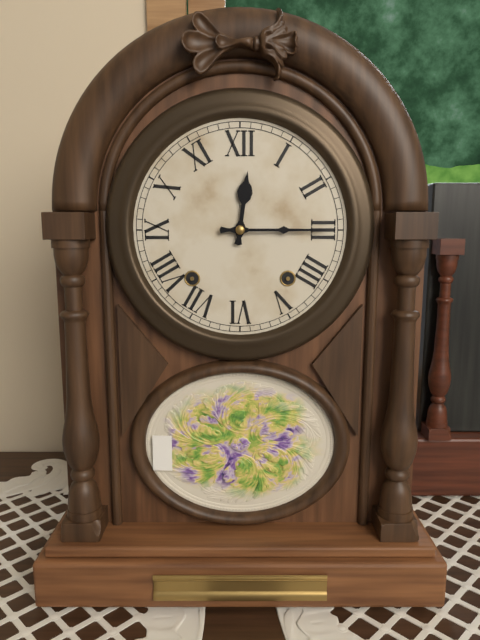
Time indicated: 12:15
